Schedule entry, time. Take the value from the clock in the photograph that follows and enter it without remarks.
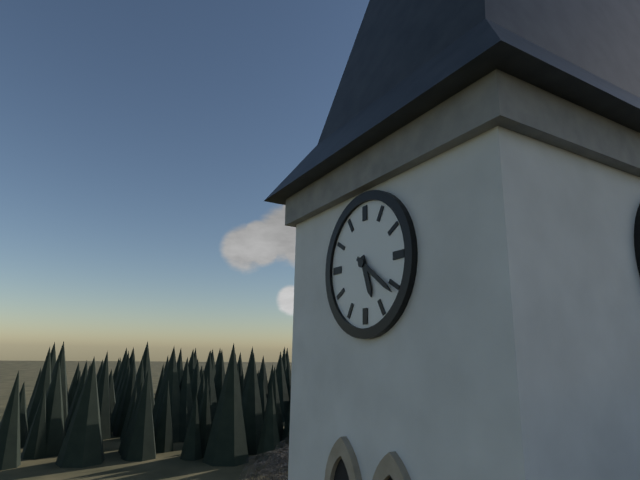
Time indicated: 5:21
